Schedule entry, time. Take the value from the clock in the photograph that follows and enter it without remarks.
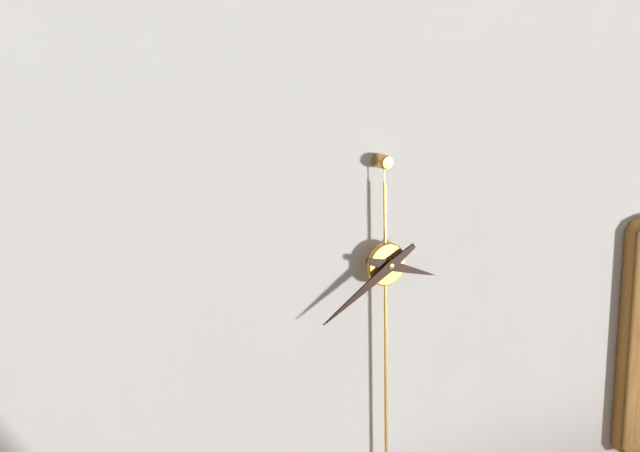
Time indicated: 3:40
